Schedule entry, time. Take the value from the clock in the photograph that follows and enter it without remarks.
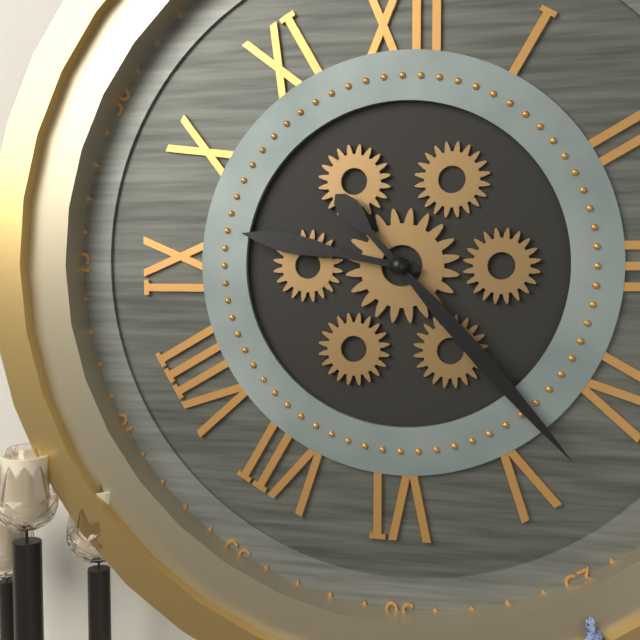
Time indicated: 9:23
